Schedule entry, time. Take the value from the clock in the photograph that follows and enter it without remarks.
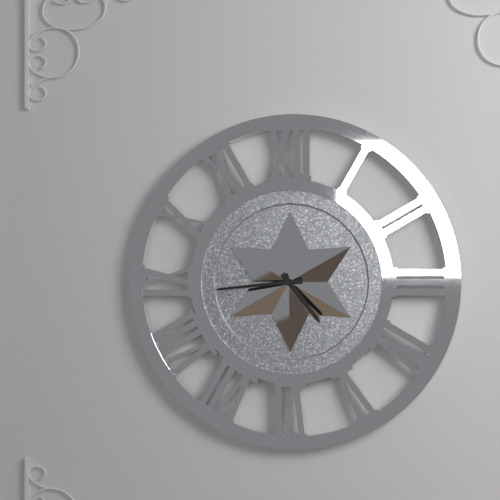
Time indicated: 4:44
